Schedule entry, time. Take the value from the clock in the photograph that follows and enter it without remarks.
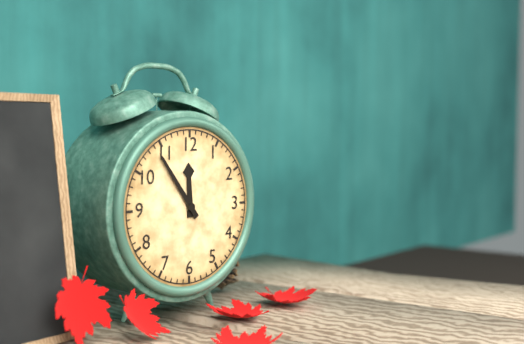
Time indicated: 11:54
